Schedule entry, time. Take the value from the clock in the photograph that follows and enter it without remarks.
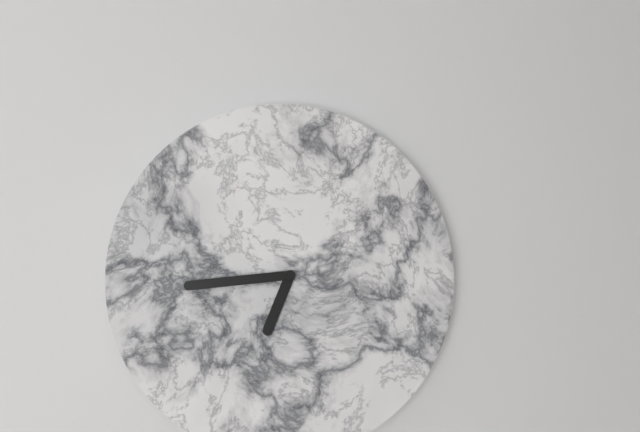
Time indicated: 6:44
